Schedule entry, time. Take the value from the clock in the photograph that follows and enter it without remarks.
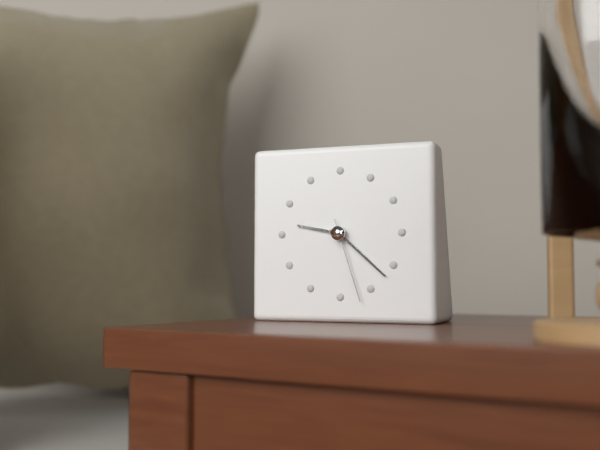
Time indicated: 9:22:27
